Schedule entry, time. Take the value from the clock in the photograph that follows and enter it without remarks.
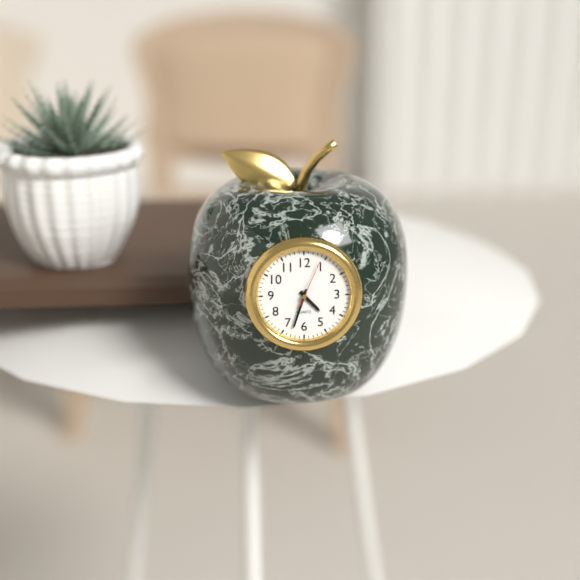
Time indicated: 4:33
